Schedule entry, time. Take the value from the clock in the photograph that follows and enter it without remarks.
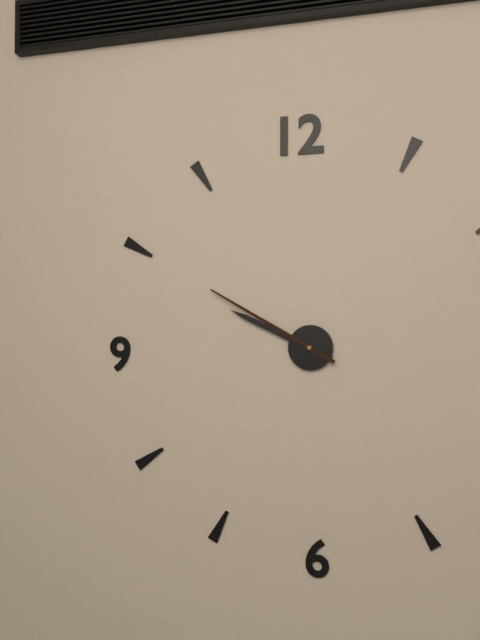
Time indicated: 9:50
